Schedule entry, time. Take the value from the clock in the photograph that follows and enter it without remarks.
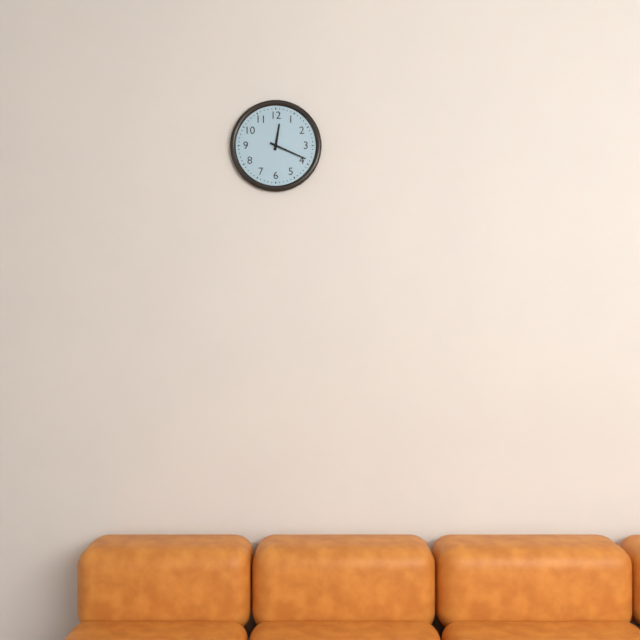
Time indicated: 12:19
